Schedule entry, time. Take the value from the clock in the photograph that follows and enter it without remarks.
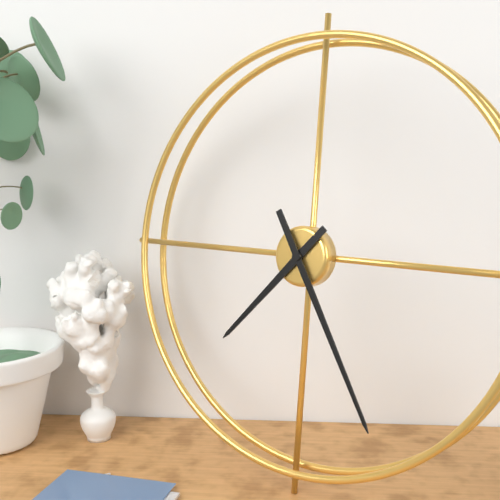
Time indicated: 7:25
